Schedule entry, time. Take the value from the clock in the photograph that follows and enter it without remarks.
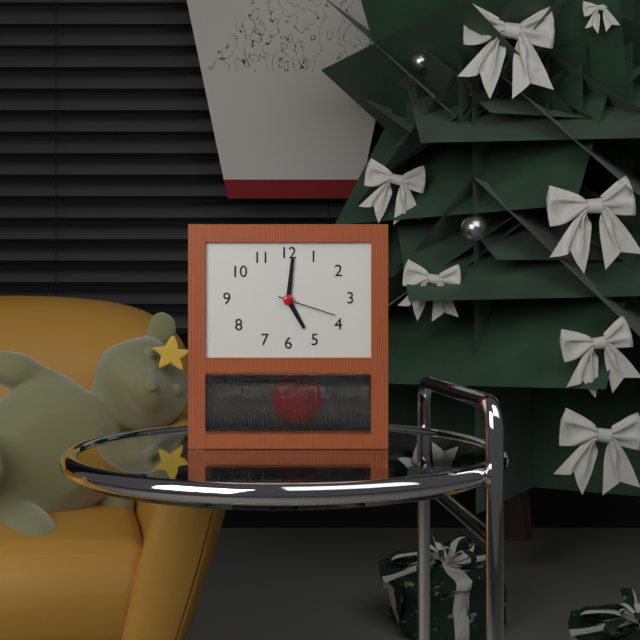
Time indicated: 5:01:18
